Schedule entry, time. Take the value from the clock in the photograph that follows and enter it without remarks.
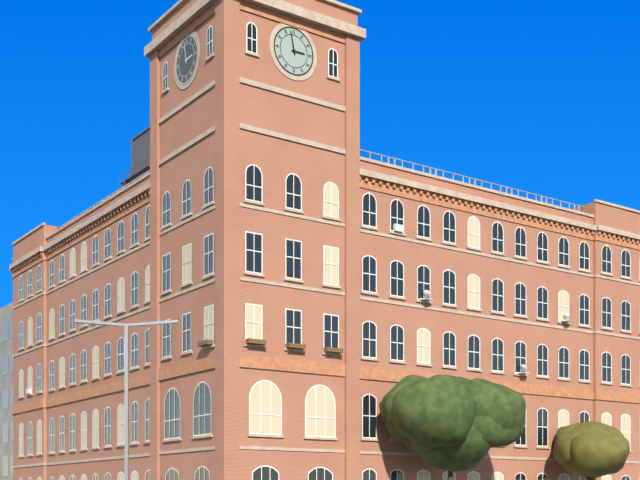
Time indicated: 2:58
